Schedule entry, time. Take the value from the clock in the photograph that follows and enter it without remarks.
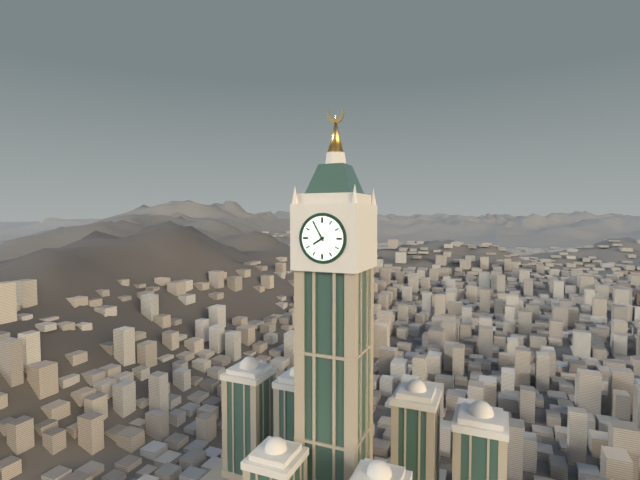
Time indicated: 7:55
